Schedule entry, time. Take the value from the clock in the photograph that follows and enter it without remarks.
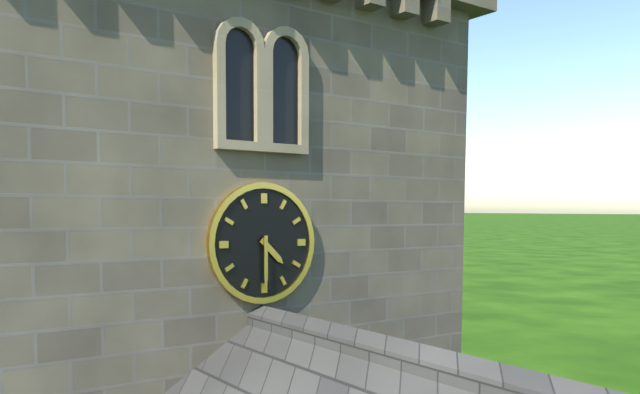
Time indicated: 4:30
